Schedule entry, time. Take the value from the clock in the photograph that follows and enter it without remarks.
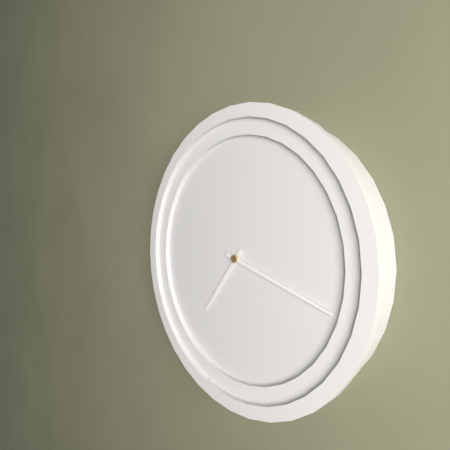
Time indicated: 7:18
